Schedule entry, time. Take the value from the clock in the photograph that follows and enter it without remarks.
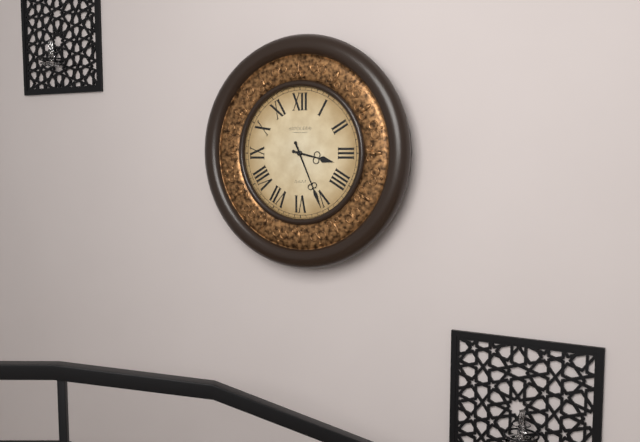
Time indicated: 3:26
